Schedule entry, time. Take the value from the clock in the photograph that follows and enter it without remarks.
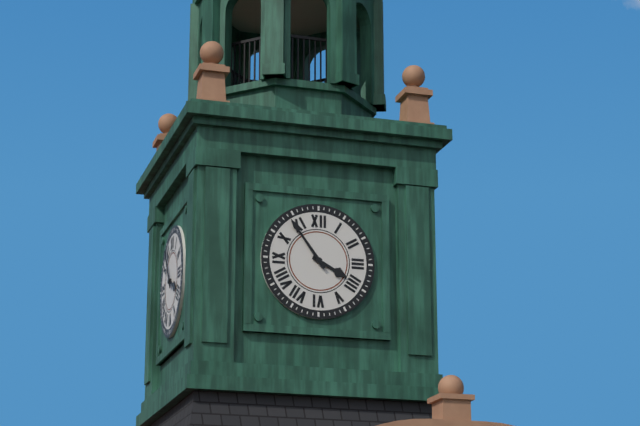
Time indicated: 3:54
